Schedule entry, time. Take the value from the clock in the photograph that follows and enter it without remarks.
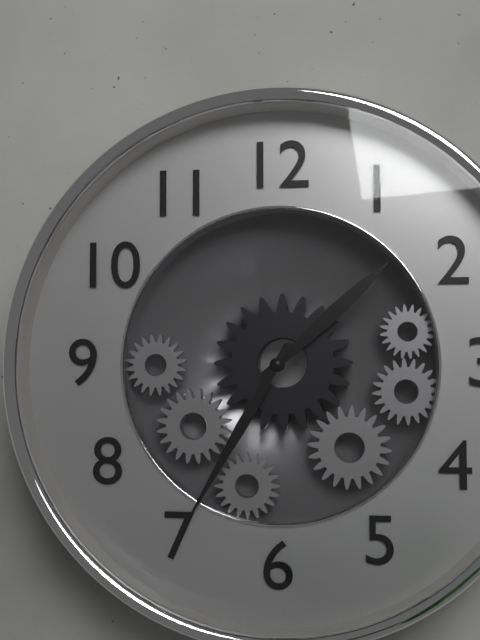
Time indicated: 1:35
